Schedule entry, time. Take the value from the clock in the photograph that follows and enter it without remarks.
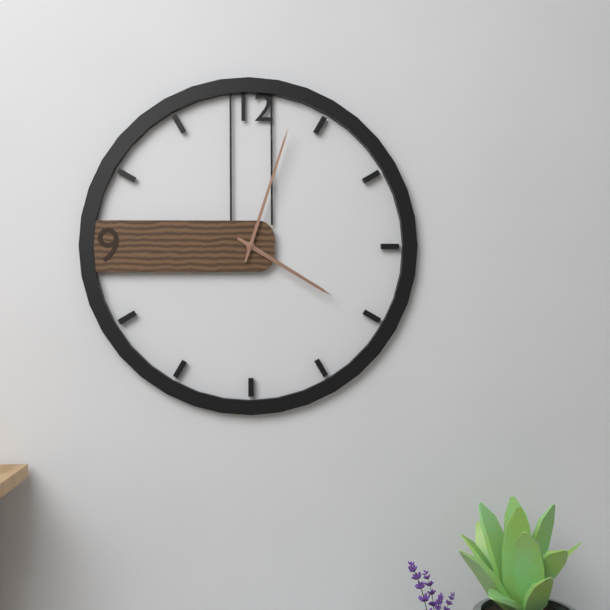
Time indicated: 4:03
